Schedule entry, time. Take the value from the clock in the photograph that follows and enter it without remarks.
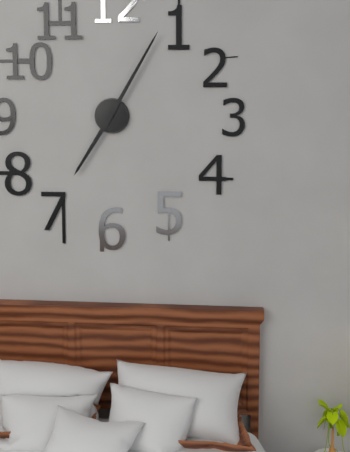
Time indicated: 7:05
